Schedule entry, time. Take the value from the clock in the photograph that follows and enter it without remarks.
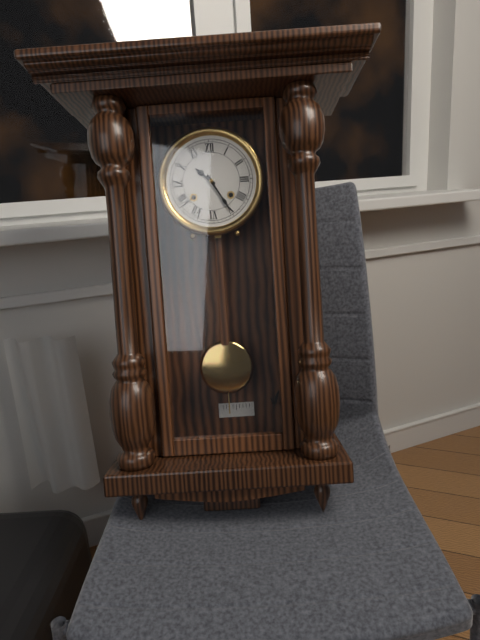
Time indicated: 10:25
